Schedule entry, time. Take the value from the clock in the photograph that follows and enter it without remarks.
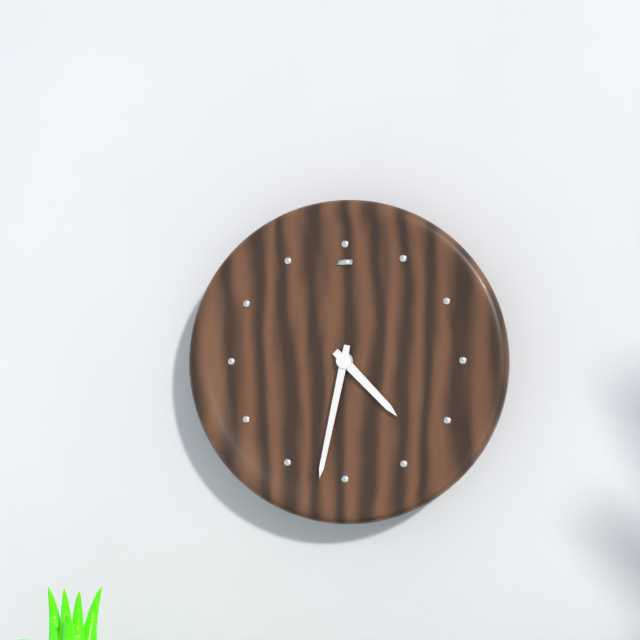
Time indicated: 4:32
